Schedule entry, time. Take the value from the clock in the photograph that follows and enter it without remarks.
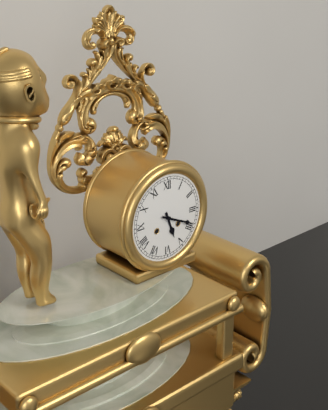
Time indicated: 5:19
